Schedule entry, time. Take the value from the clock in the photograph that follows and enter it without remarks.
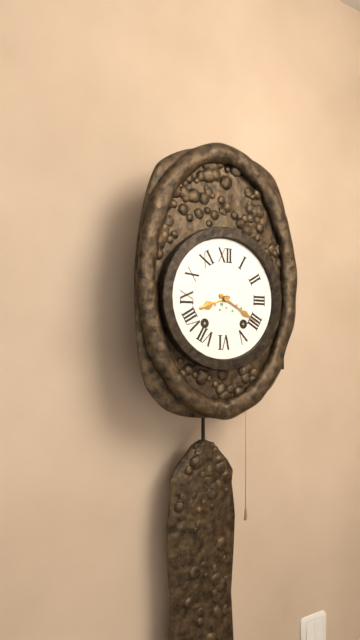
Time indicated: 8:20
